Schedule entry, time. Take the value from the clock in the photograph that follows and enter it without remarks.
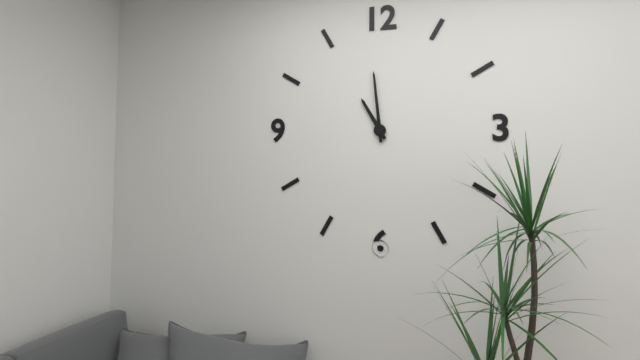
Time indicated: 10:59
